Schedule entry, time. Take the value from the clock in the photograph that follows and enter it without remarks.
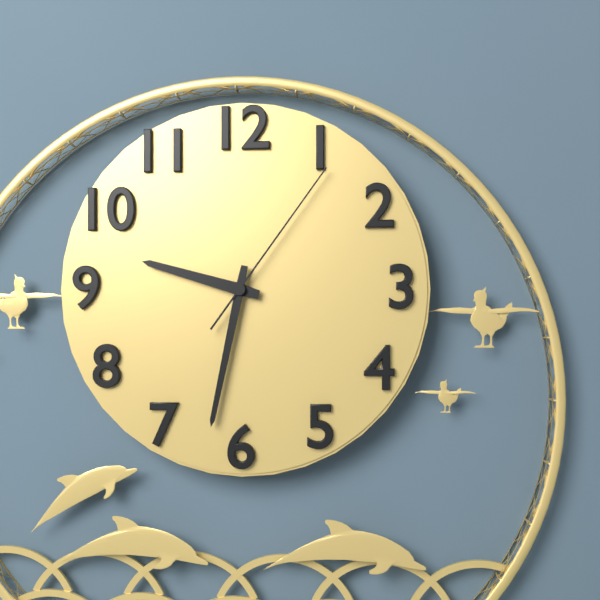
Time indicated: 9:32:06
